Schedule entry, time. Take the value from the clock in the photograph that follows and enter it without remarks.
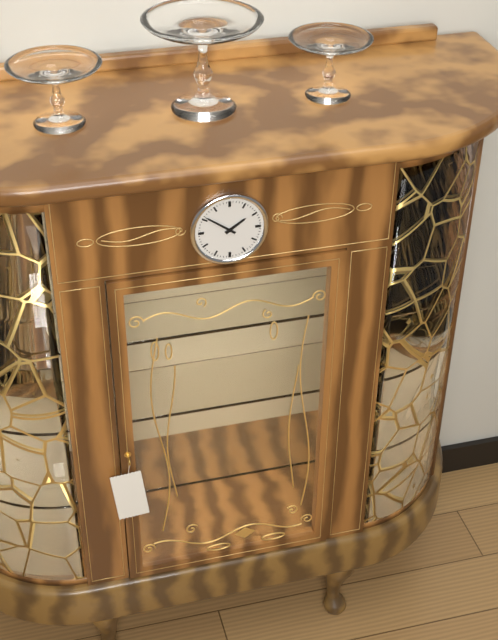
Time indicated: 1:51
